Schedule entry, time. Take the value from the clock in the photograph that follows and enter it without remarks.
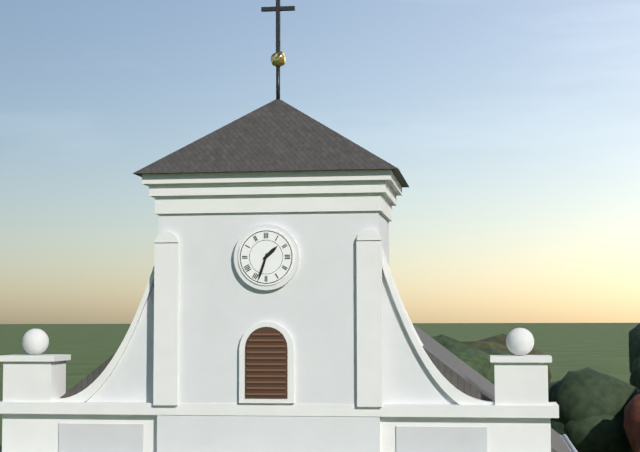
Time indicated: 1:33
